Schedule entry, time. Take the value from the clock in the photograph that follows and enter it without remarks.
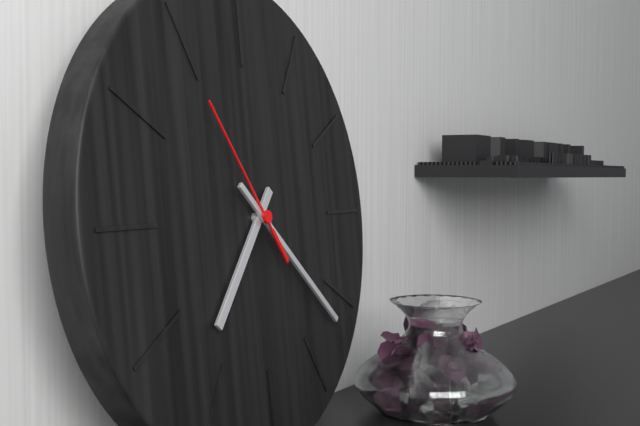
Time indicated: 7:22:54
